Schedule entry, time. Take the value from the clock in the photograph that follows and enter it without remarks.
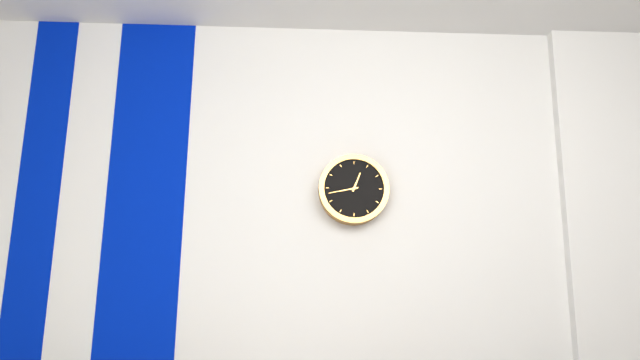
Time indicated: 12:43
